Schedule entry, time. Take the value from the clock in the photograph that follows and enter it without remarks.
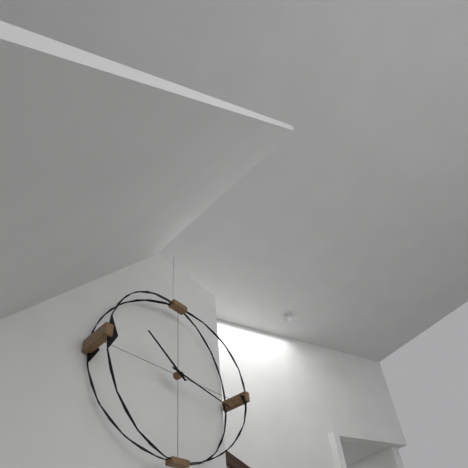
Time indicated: 10:17
